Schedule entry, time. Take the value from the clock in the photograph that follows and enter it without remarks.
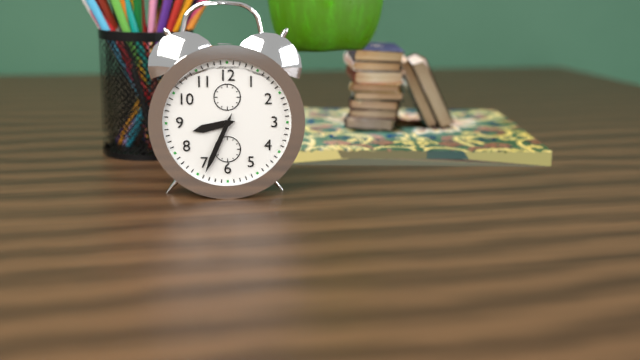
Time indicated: 8:34
